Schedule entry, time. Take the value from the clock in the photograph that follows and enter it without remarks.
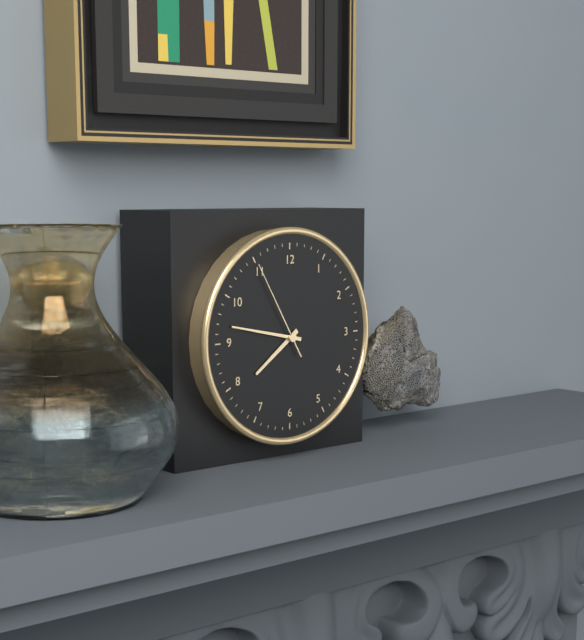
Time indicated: 7:47:55
